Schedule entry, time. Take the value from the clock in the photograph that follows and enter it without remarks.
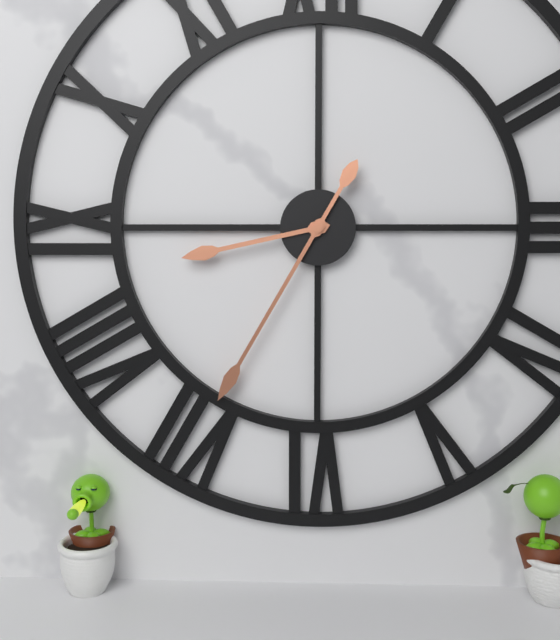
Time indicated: 8:35
